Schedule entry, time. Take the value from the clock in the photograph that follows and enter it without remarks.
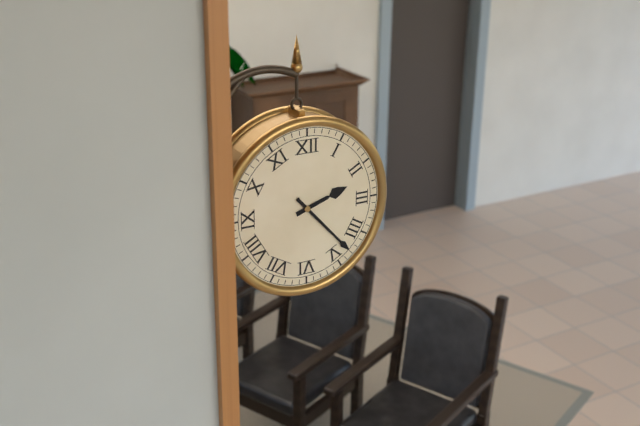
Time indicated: 2:23
